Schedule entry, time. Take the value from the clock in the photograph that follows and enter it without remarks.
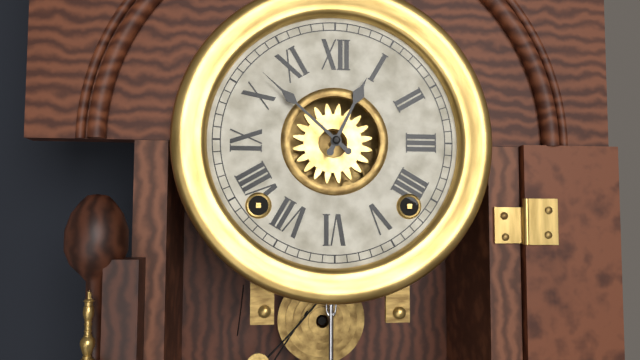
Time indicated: 12:52
